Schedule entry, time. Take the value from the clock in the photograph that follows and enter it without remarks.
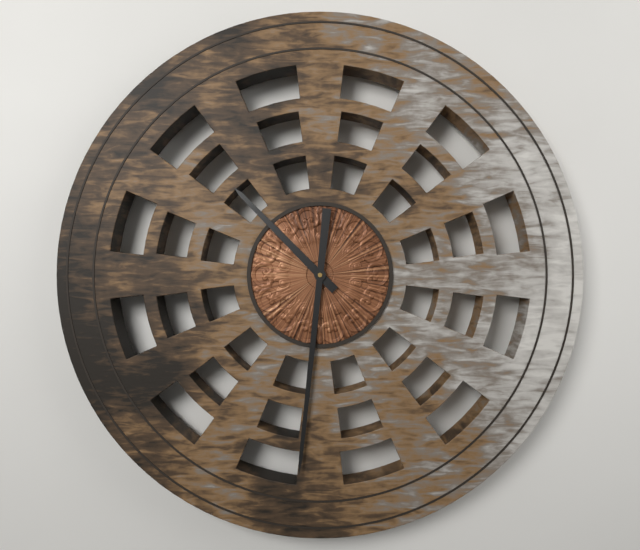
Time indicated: 10:31
